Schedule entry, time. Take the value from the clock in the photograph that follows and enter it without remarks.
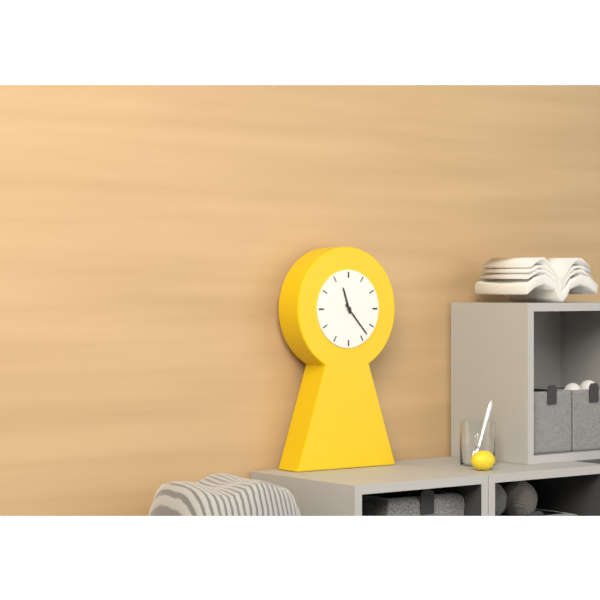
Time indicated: 11:23
